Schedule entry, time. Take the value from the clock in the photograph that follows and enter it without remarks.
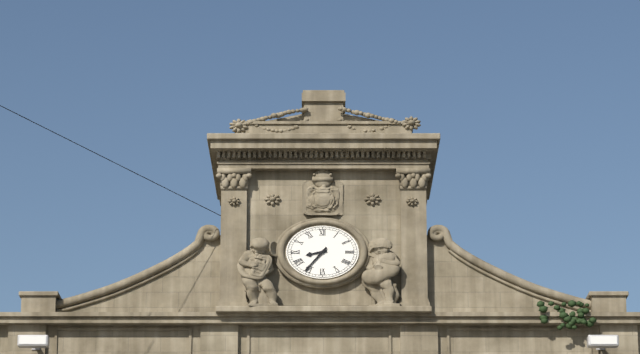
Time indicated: 8:37
